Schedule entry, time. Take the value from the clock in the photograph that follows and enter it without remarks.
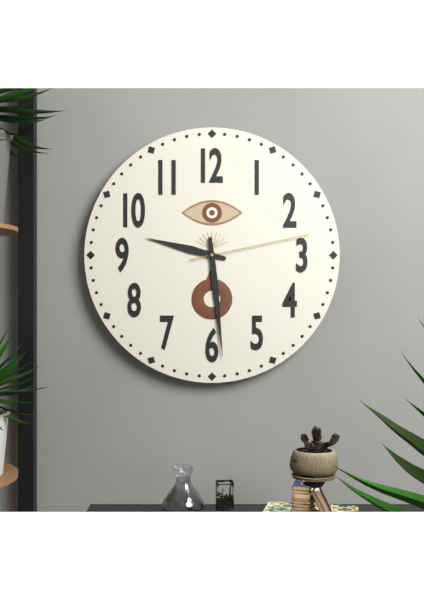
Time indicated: 9:29:13
